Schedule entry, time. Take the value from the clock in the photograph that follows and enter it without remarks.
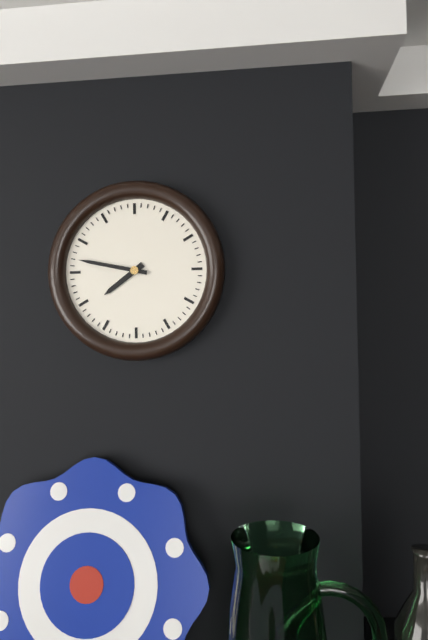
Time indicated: 7:47
